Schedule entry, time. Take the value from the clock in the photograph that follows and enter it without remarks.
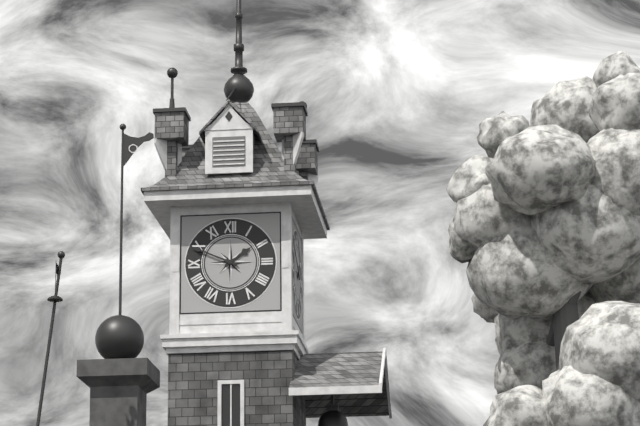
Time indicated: 1:49
